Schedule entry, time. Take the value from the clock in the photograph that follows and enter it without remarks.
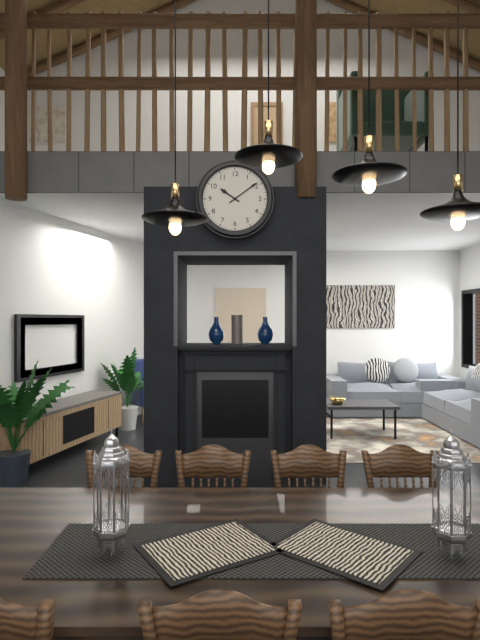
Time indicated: 10:09
